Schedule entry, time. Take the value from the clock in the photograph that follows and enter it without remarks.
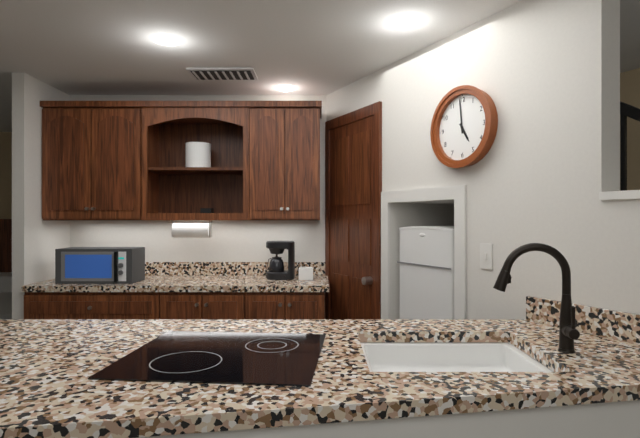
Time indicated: 4:59
